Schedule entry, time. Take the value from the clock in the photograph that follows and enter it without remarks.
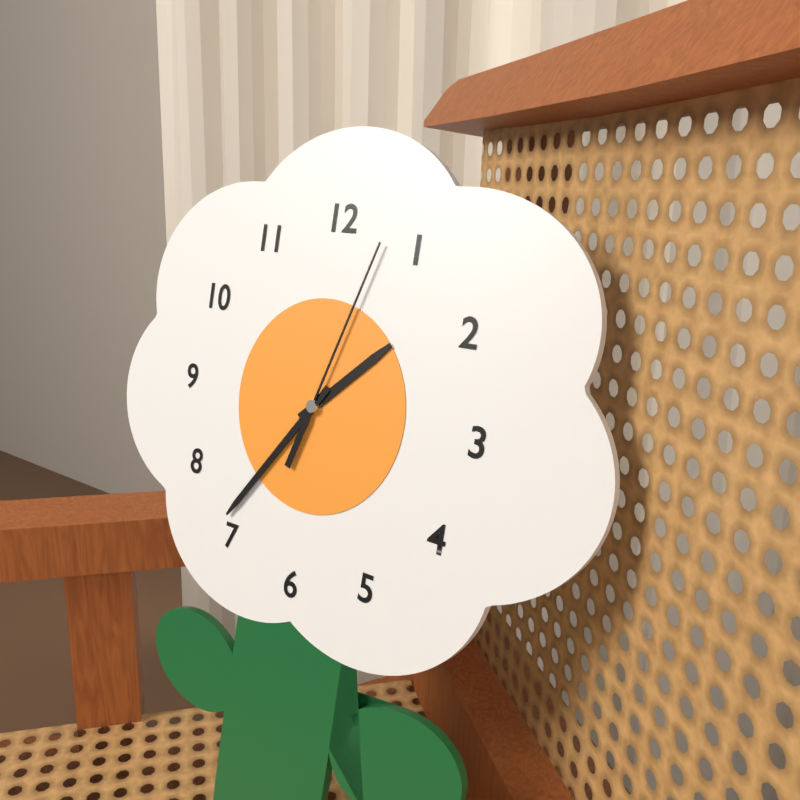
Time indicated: 1:36:03
